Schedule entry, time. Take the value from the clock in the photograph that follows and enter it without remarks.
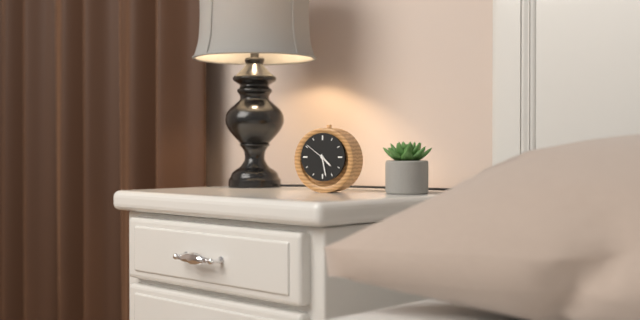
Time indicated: 4:28
